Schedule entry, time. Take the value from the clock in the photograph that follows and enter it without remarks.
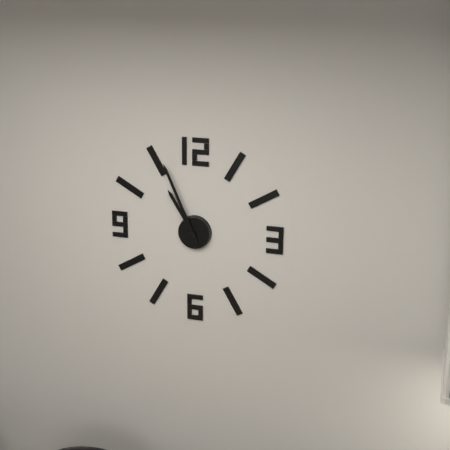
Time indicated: 10:56
